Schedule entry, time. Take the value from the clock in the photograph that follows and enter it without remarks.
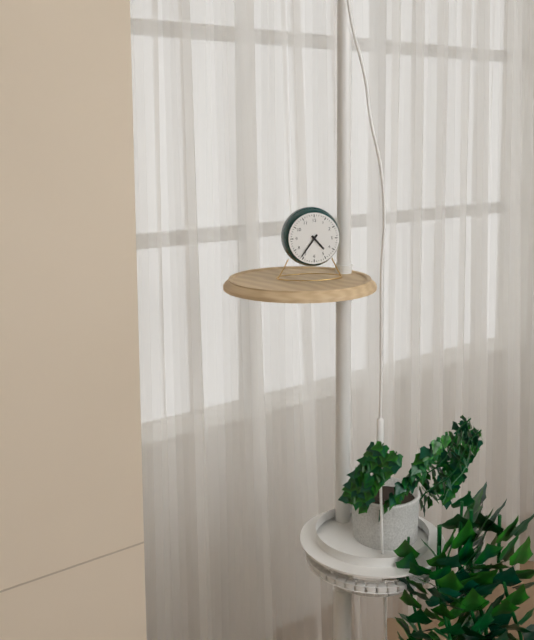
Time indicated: 4:36
